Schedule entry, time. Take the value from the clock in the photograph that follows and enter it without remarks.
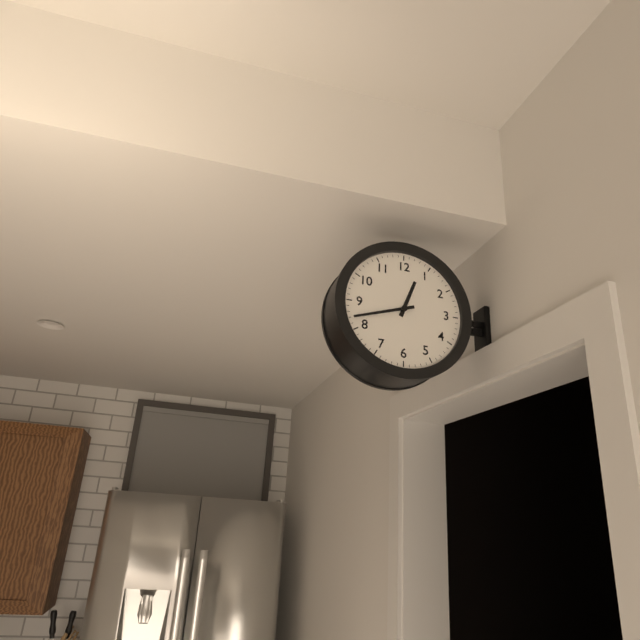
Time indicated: 12:42
